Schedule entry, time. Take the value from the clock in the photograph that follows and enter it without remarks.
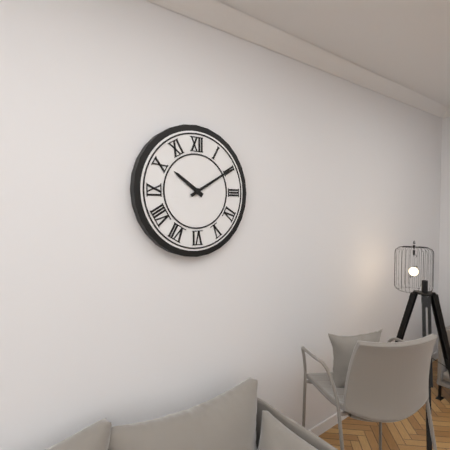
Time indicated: 10:10
